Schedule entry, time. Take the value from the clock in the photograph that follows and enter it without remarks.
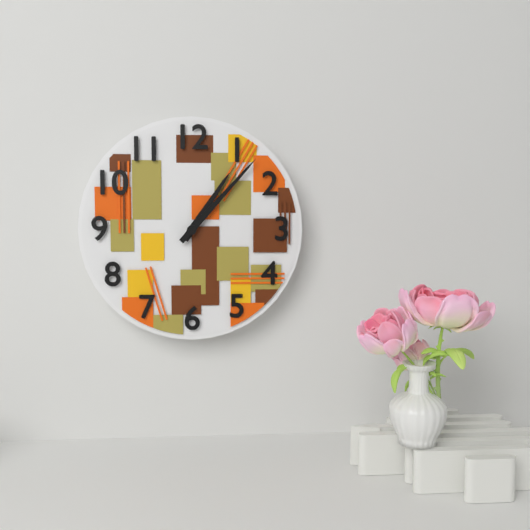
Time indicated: 1:07
